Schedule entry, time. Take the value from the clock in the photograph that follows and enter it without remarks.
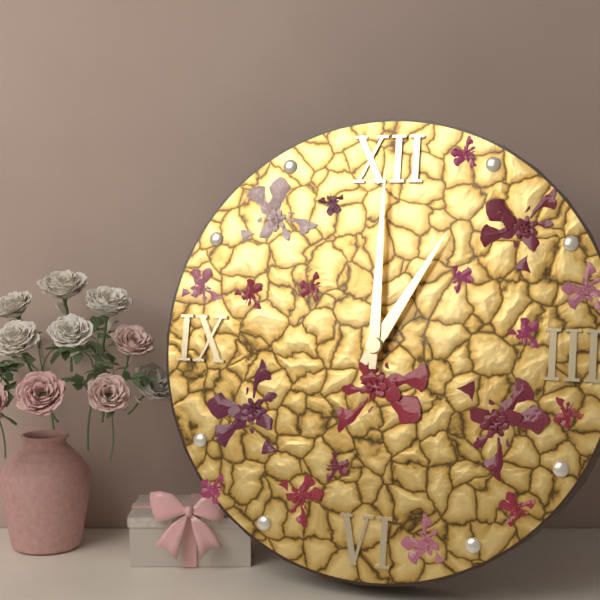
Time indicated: 1:00
